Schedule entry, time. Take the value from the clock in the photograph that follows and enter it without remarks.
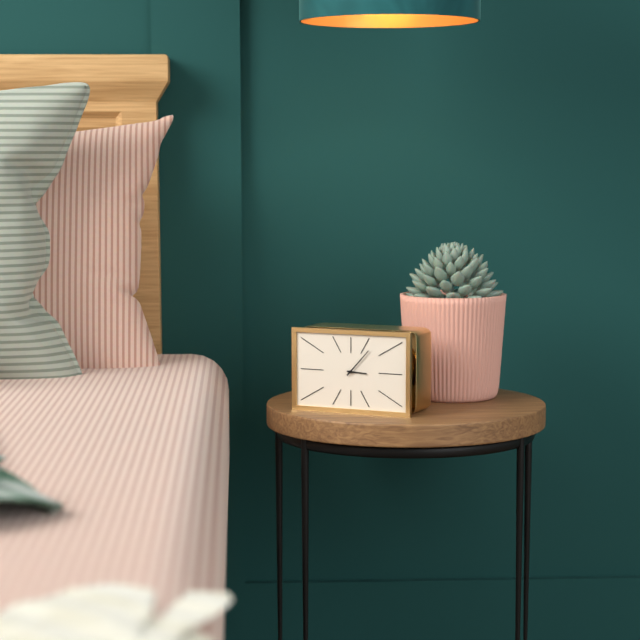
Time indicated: 3:07
